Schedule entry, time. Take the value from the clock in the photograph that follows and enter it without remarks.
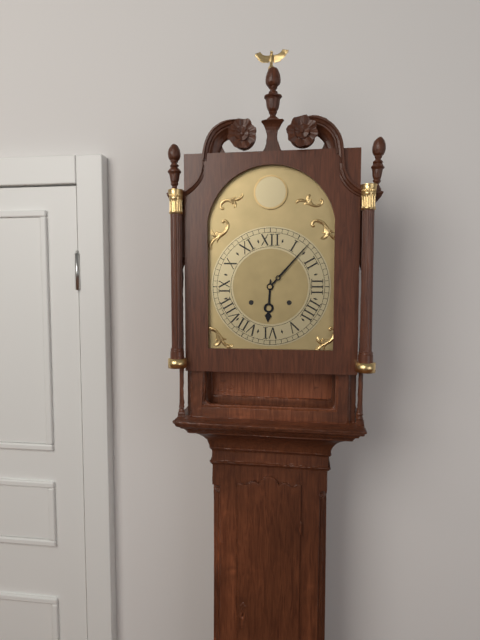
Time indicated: 6:07
